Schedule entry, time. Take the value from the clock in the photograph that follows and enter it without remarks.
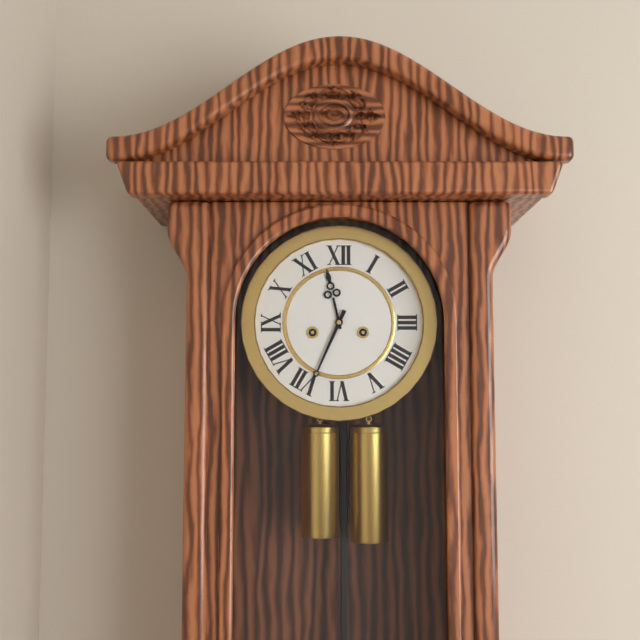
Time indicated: 11:34
